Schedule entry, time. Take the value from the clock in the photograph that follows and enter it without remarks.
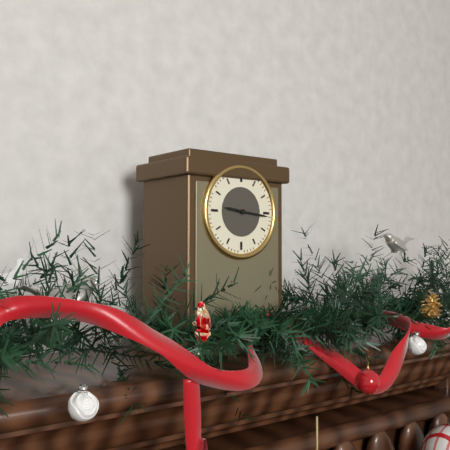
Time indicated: 9:16
